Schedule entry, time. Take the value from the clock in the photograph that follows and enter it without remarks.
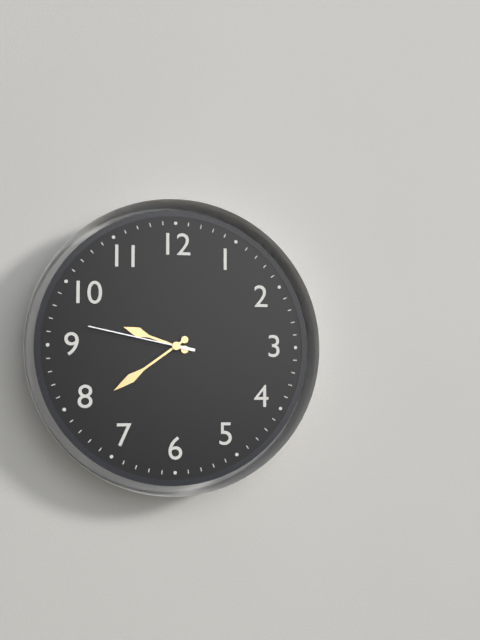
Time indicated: 9:39:47
